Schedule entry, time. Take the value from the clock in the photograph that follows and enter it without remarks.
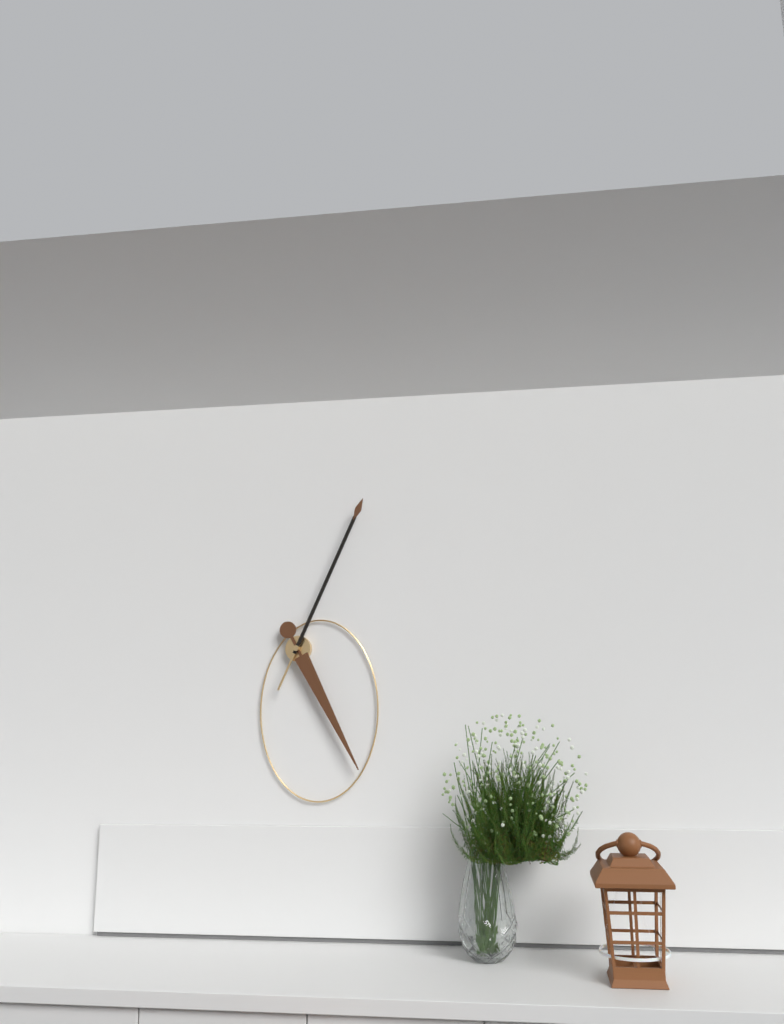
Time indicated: 5:04
